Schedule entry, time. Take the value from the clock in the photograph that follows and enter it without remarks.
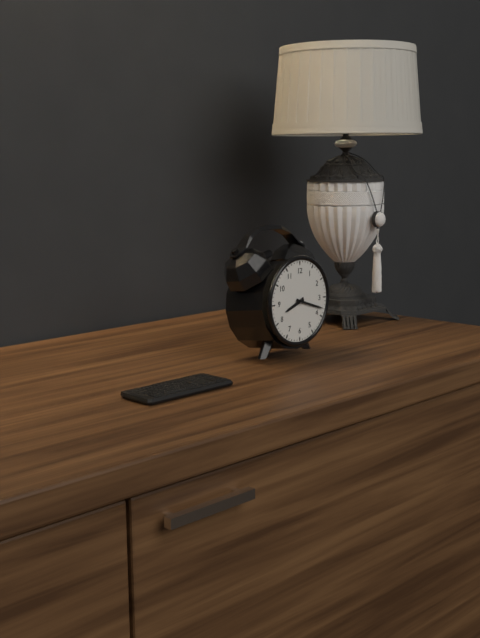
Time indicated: 8:18
